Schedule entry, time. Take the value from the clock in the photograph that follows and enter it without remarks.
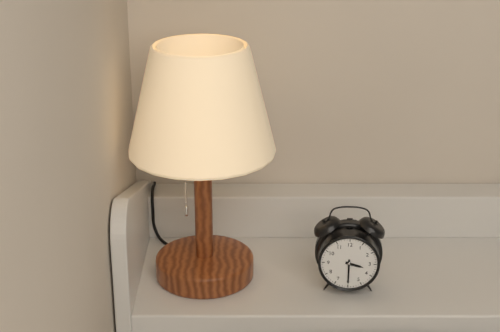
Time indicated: 3:30
